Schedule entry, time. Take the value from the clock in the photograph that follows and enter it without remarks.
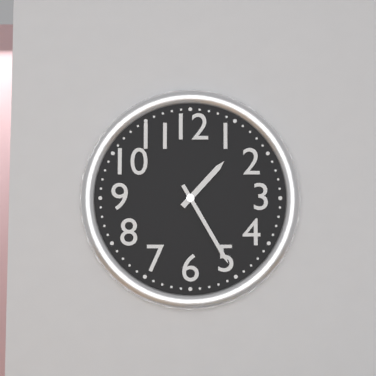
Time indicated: 1:25
